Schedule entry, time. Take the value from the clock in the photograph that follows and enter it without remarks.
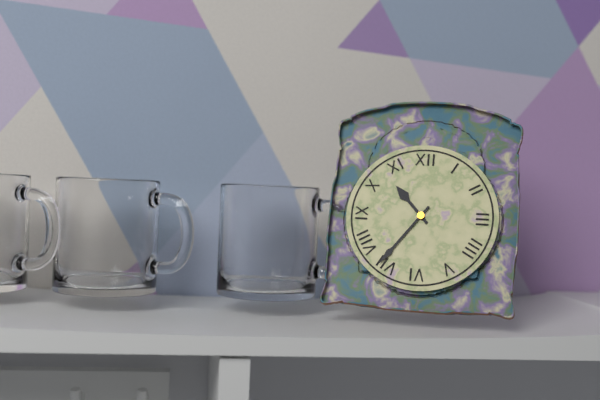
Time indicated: 10:36
